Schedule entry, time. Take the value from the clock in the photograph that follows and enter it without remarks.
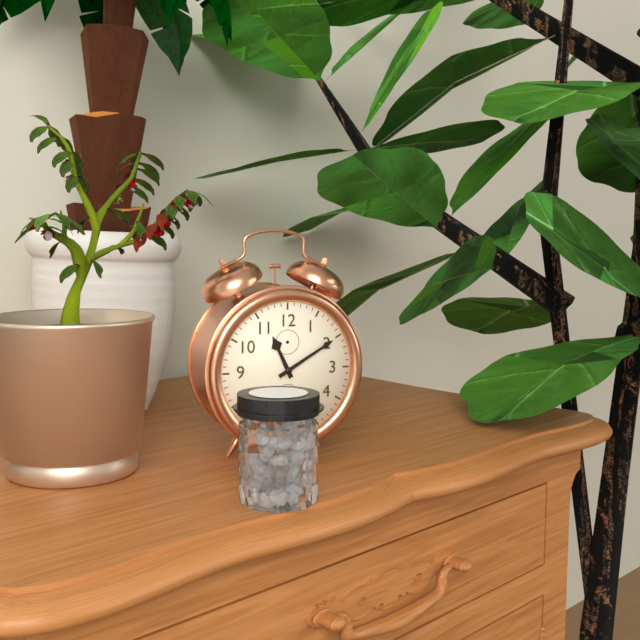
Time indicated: 11:10
